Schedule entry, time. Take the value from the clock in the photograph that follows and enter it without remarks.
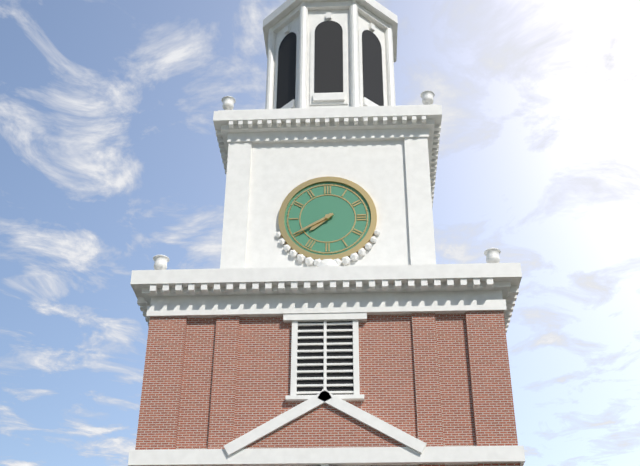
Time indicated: 7:40
